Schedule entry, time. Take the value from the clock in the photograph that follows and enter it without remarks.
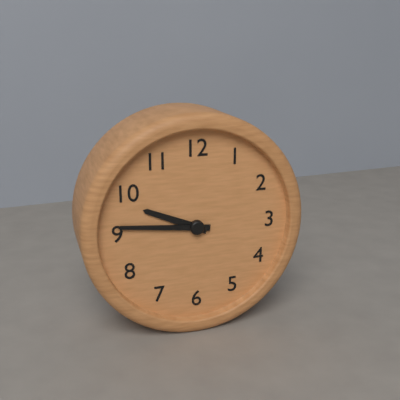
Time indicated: 9:46
